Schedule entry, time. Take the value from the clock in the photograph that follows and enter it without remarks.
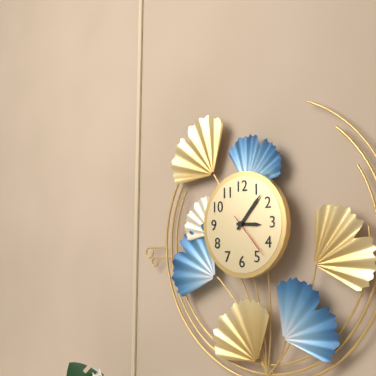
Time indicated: 3:07
